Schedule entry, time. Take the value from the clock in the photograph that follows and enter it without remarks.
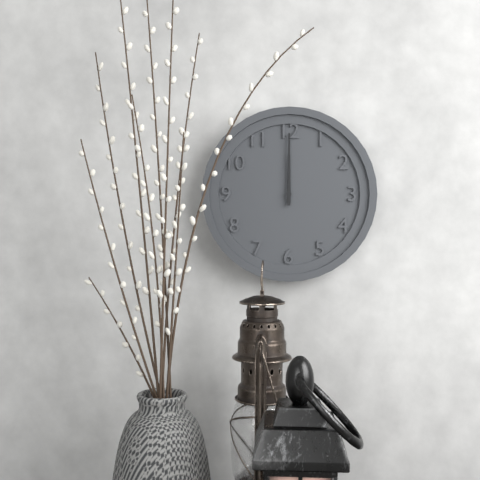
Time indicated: 12:00
